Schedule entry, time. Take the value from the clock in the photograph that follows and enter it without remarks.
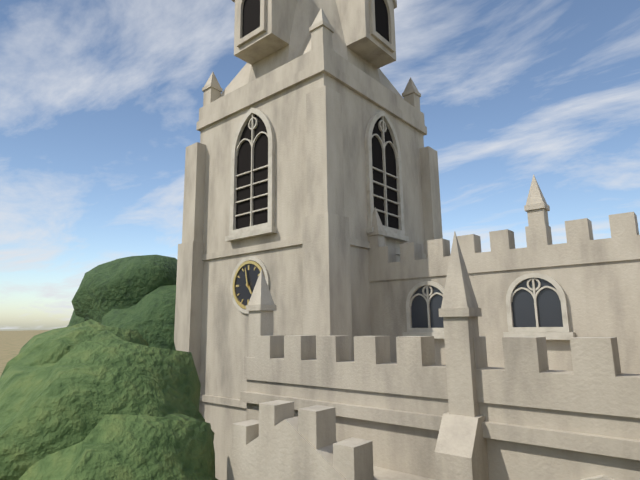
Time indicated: 4:58
